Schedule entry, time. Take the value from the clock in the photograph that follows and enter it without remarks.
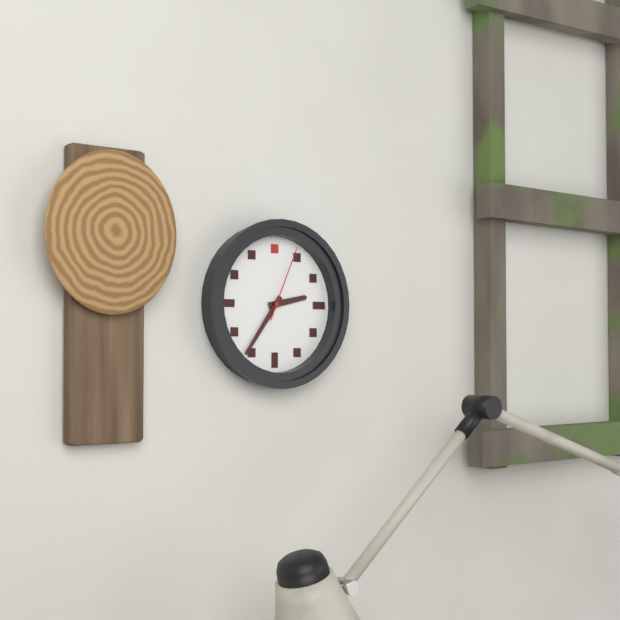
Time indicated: 2:36:04
